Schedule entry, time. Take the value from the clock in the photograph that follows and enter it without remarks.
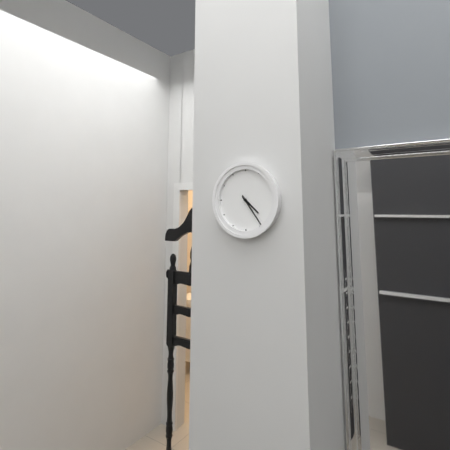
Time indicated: 4:24
